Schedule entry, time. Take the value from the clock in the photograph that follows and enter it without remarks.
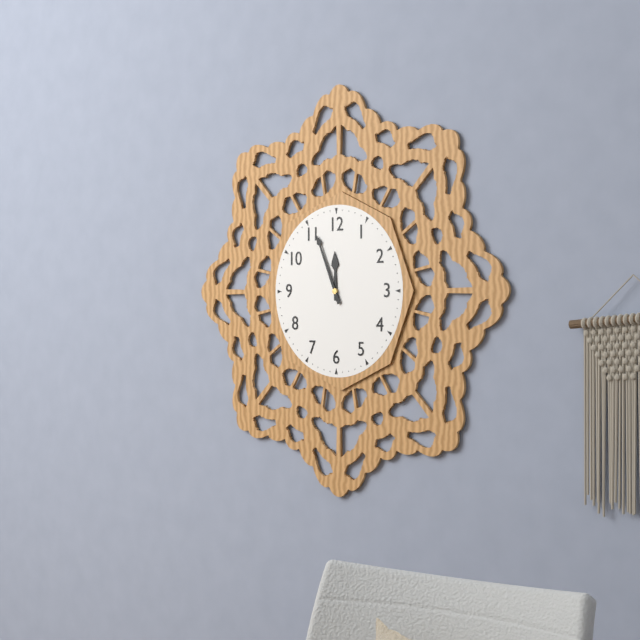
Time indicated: 11:56
